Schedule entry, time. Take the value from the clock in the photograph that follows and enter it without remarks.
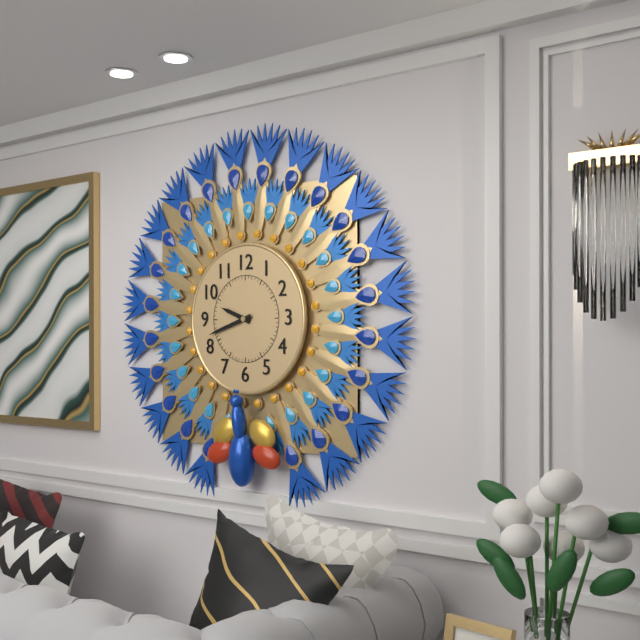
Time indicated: 9:42
